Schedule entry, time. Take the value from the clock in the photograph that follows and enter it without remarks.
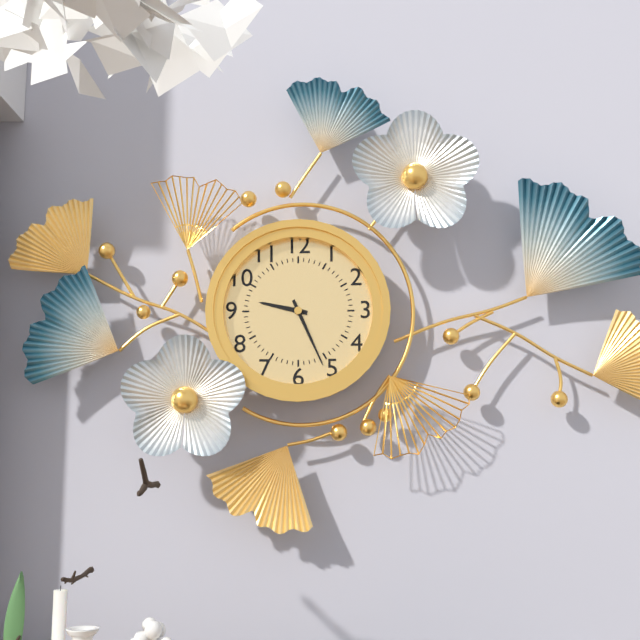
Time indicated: 9:26
